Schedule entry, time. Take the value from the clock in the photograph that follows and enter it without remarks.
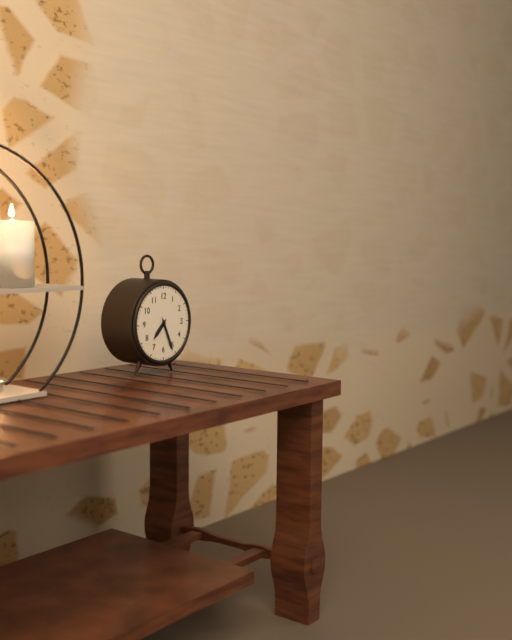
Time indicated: 7:26
